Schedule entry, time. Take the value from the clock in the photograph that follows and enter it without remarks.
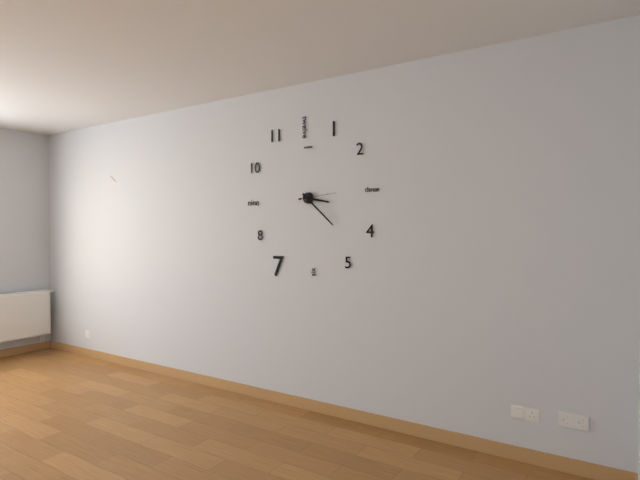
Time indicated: 3:22
